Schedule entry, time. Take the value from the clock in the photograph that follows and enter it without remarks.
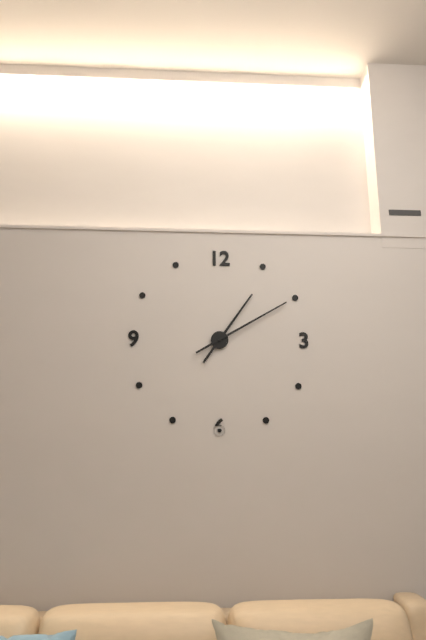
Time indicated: 1:10
